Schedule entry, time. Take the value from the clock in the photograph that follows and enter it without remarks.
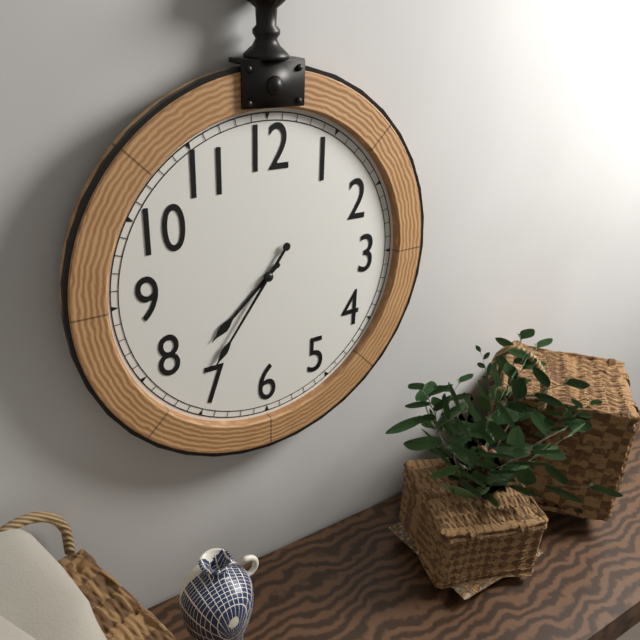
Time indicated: 7:36
